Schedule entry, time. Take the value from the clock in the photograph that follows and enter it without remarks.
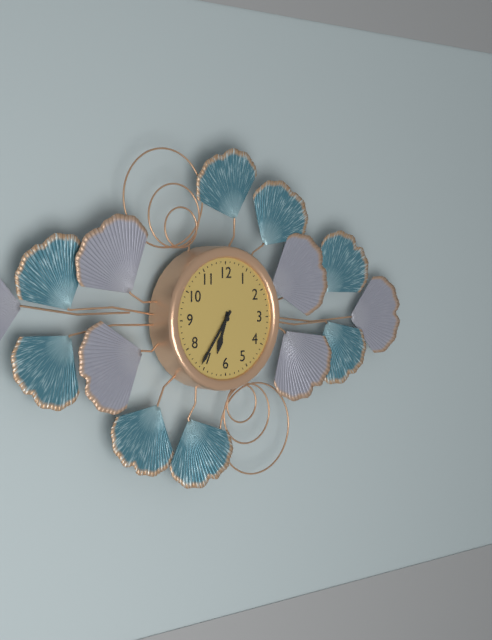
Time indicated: 6:36
